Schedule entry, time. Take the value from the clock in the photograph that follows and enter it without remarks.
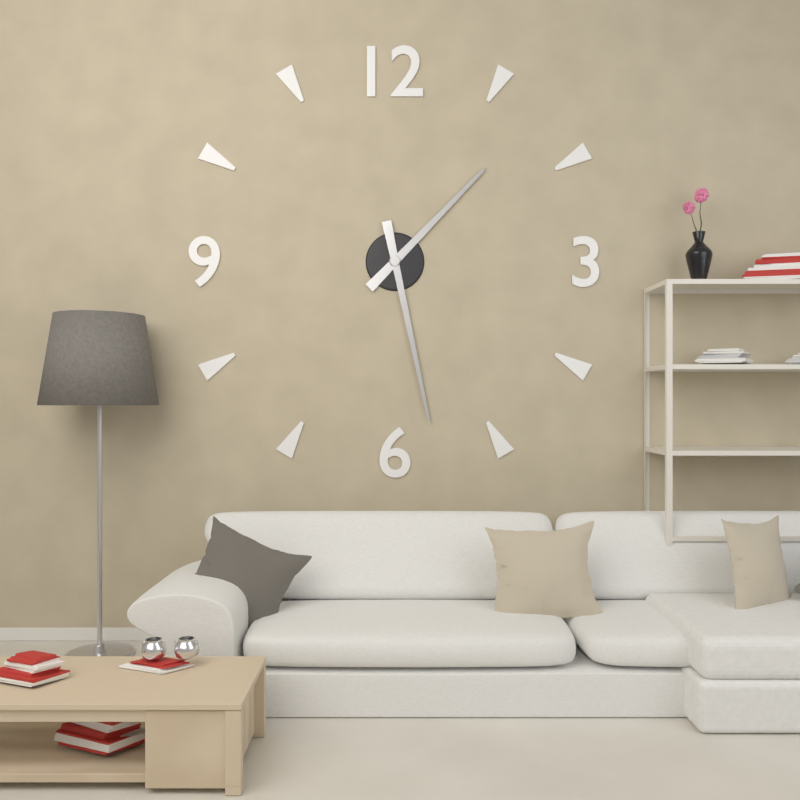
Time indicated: 1:28
